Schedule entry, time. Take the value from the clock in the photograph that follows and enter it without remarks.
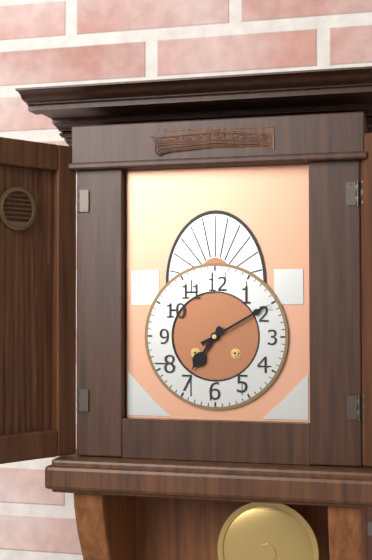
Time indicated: 7:10
